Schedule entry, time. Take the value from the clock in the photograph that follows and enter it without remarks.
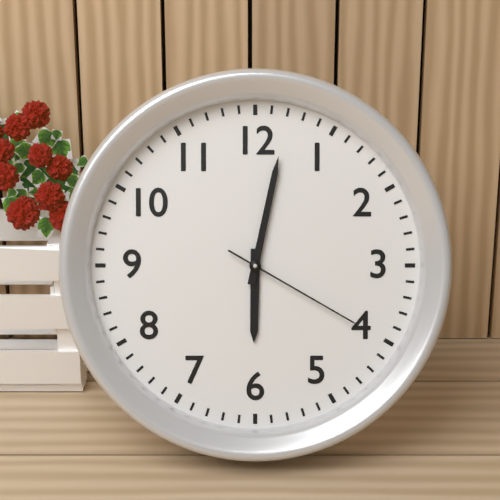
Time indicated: 6:02:20
